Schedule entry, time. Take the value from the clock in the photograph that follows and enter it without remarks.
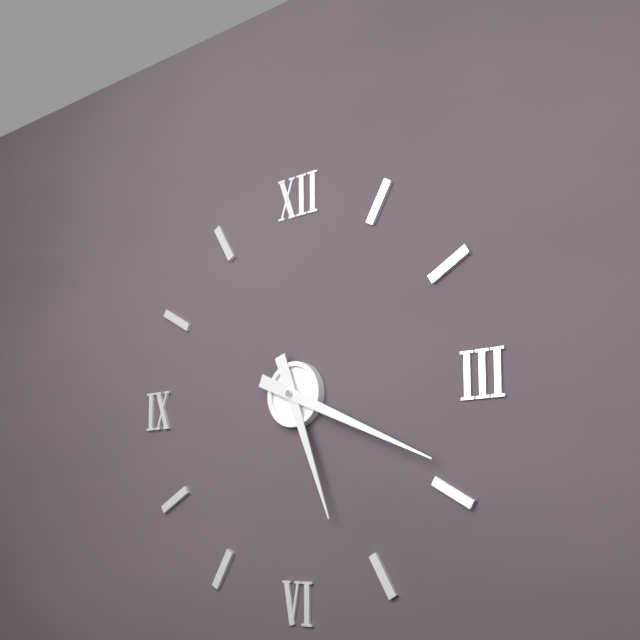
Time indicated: 5:19
